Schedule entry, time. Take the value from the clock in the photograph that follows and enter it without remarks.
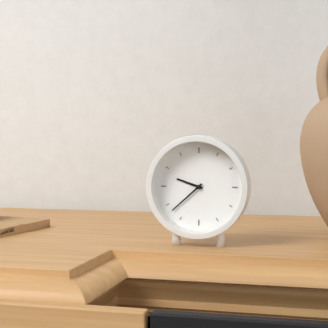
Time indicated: 9:38
